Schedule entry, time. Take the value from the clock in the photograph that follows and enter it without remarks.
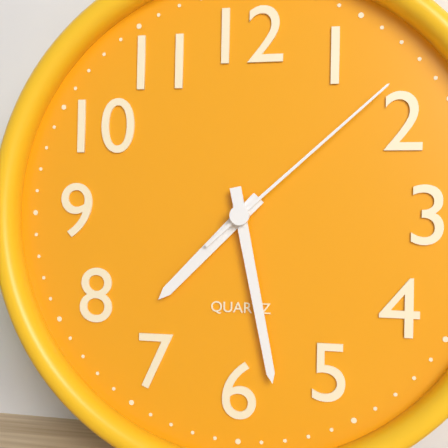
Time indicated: 7:28:08
